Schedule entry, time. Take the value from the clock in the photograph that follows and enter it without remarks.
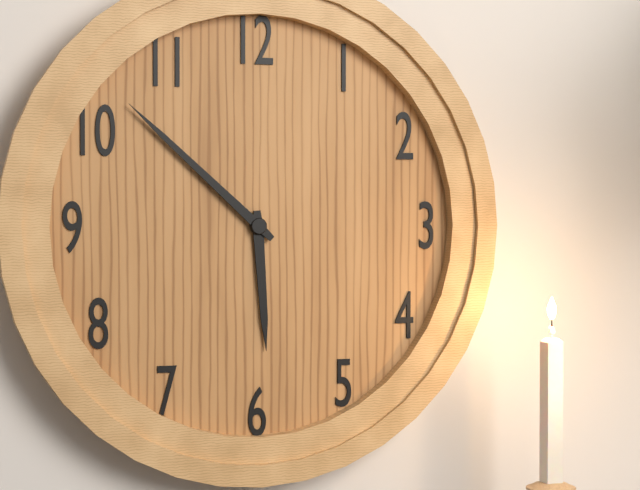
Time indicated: 5:52
